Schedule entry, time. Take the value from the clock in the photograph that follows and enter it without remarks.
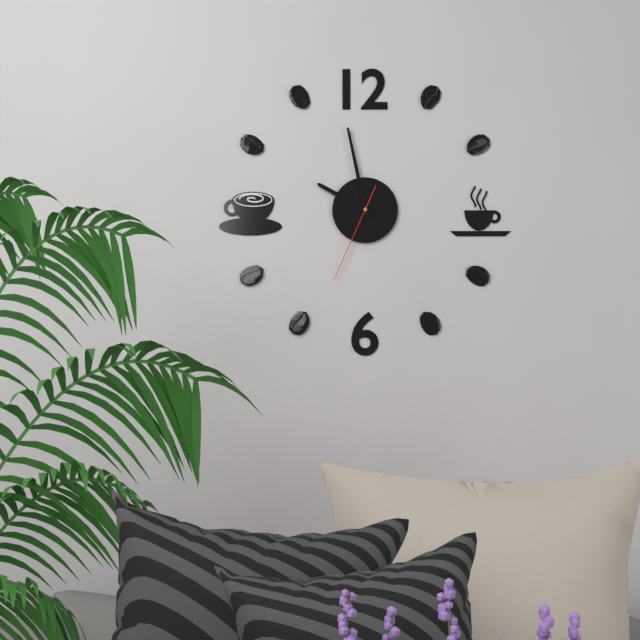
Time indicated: 9:58:34
